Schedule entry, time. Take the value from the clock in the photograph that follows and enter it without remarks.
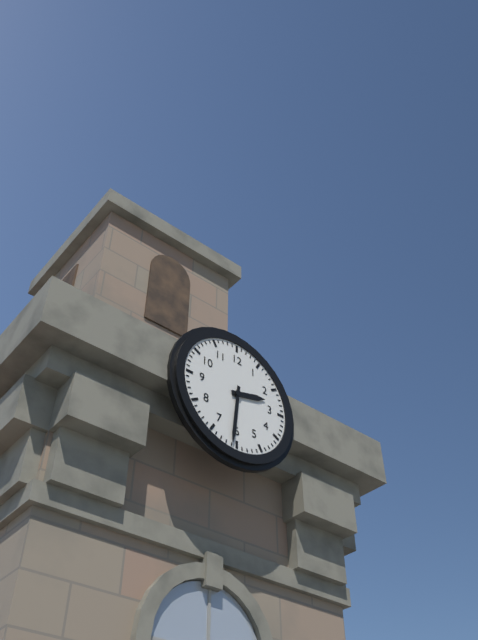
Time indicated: 2:31
